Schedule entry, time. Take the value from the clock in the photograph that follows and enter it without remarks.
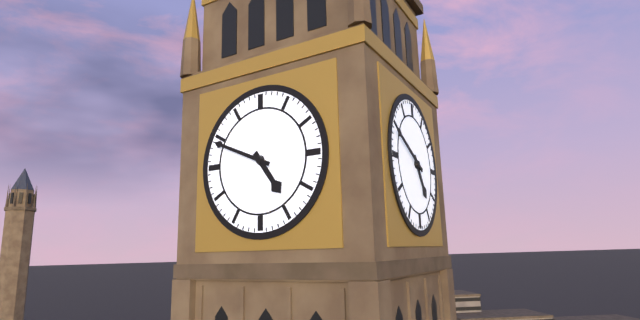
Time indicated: 4:49
